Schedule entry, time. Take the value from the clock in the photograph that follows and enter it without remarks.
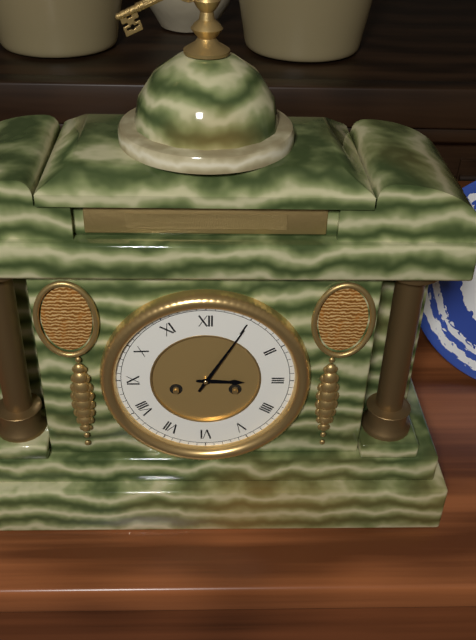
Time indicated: 3:05
